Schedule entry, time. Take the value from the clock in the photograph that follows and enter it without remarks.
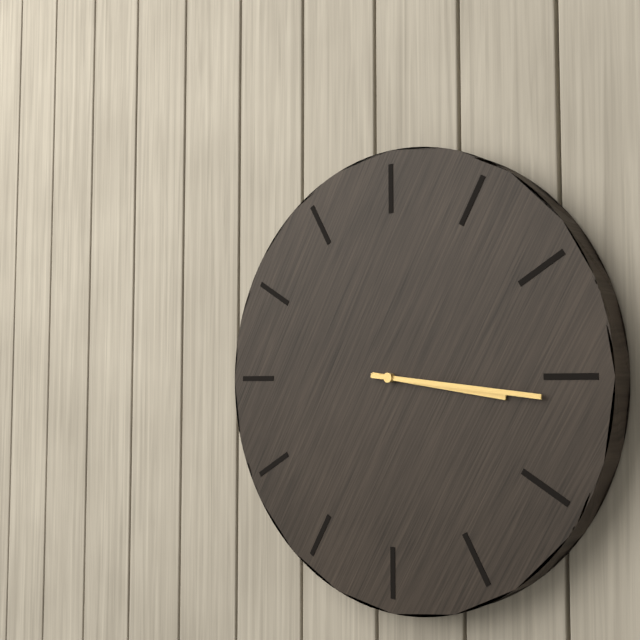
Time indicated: 3:16
